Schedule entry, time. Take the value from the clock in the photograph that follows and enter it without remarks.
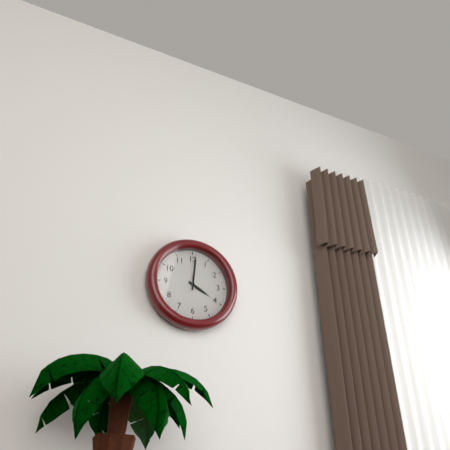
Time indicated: 4:01
